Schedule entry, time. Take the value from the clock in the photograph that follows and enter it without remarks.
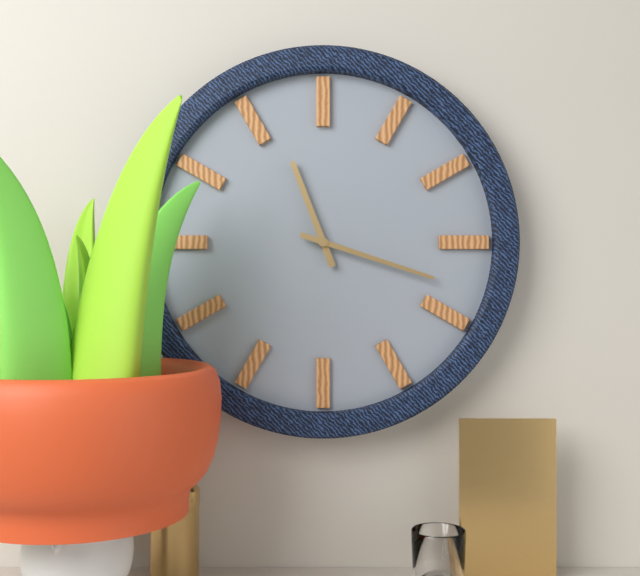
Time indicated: 11:18
